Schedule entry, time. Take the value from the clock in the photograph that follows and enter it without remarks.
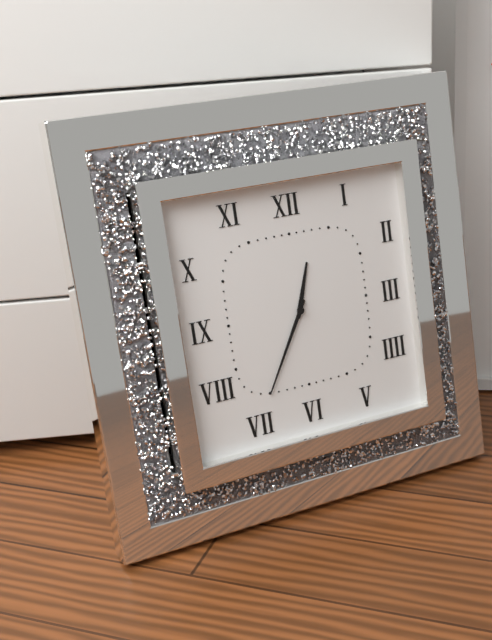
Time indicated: 12:35
